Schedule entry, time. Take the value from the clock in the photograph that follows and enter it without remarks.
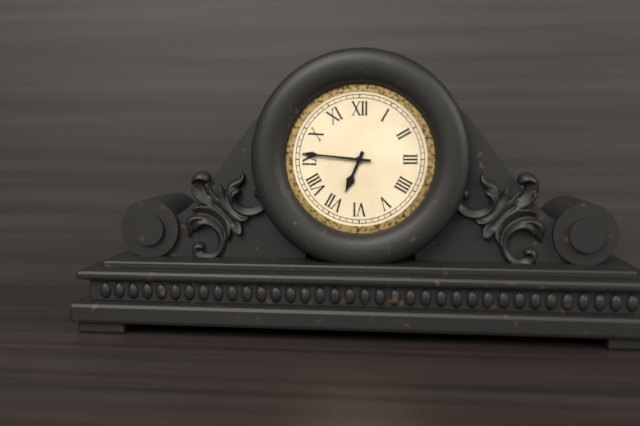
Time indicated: 6:46
